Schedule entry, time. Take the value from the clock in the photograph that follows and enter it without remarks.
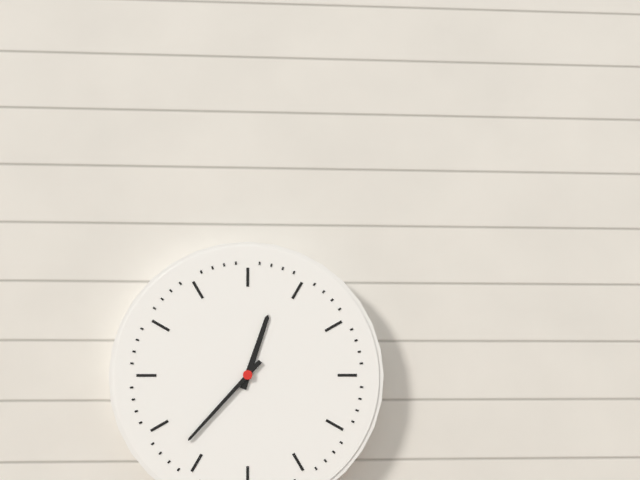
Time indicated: 12:37
